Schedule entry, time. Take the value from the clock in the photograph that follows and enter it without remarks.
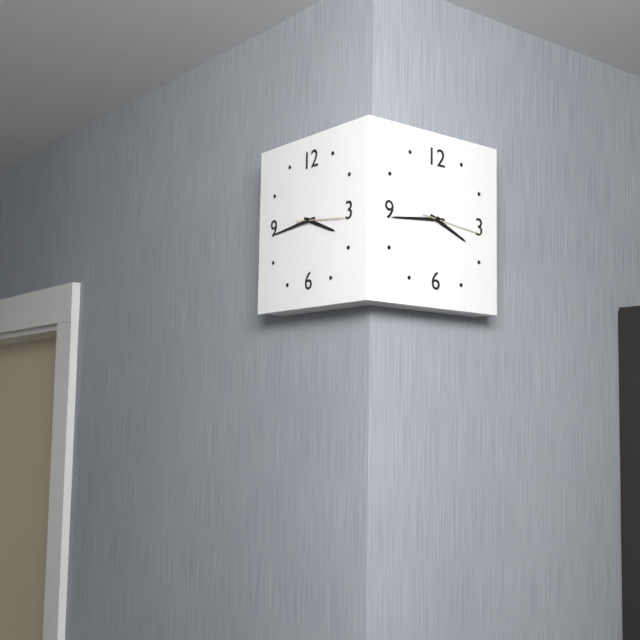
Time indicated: 3:44
